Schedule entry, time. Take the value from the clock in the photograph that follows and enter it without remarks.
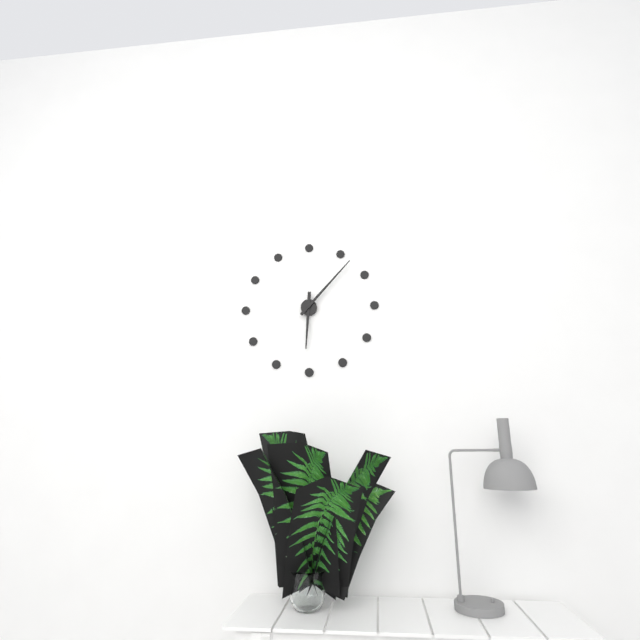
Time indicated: 6:07
